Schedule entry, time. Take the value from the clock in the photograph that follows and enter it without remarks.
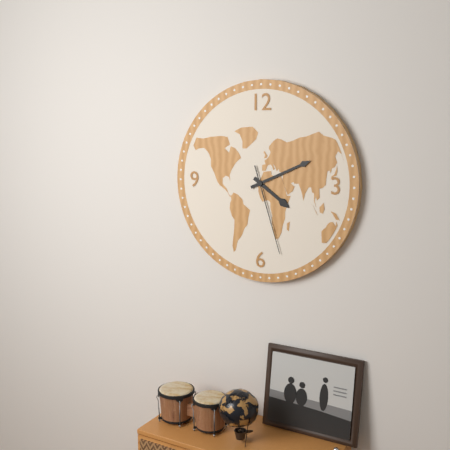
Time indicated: 4:11:27
